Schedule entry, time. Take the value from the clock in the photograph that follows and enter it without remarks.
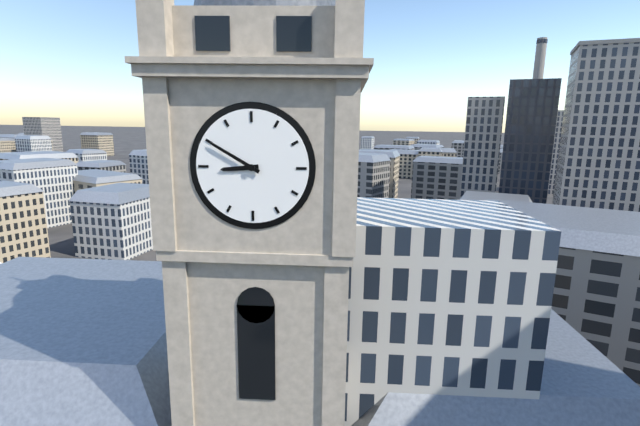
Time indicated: 8:50
